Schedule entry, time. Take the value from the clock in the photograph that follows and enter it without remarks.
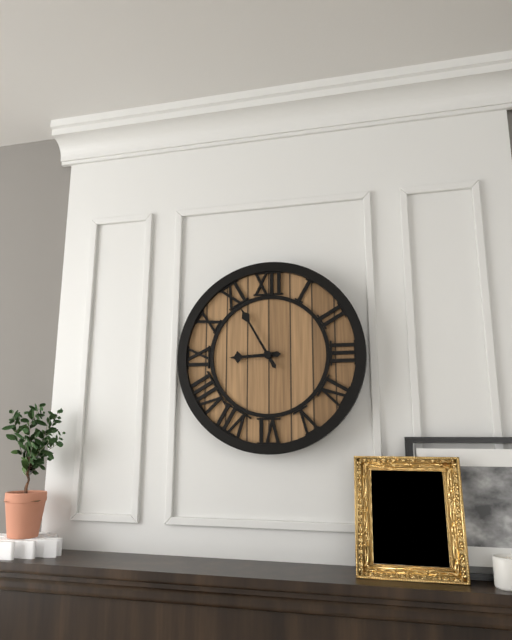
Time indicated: 8:55
